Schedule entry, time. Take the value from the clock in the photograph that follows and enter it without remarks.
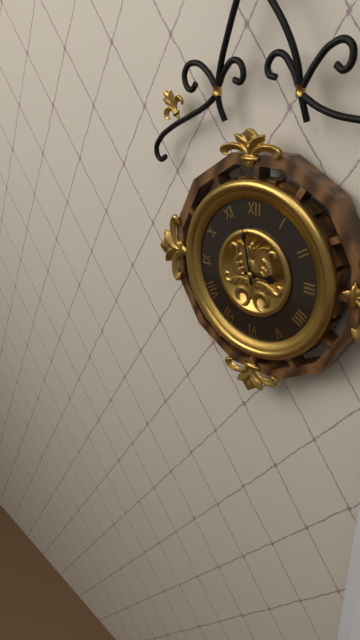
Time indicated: 2:58
